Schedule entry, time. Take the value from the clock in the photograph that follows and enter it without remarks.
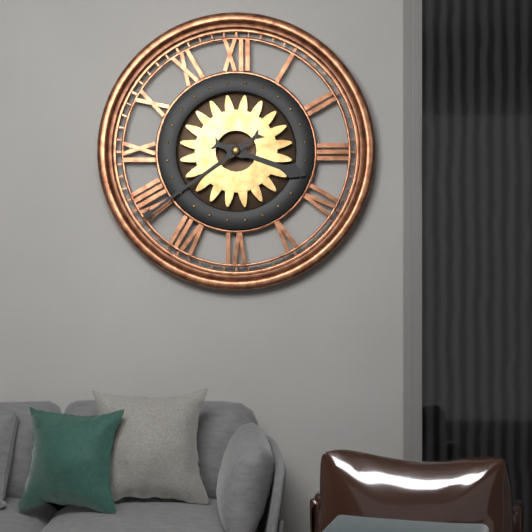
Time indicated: 3:39
